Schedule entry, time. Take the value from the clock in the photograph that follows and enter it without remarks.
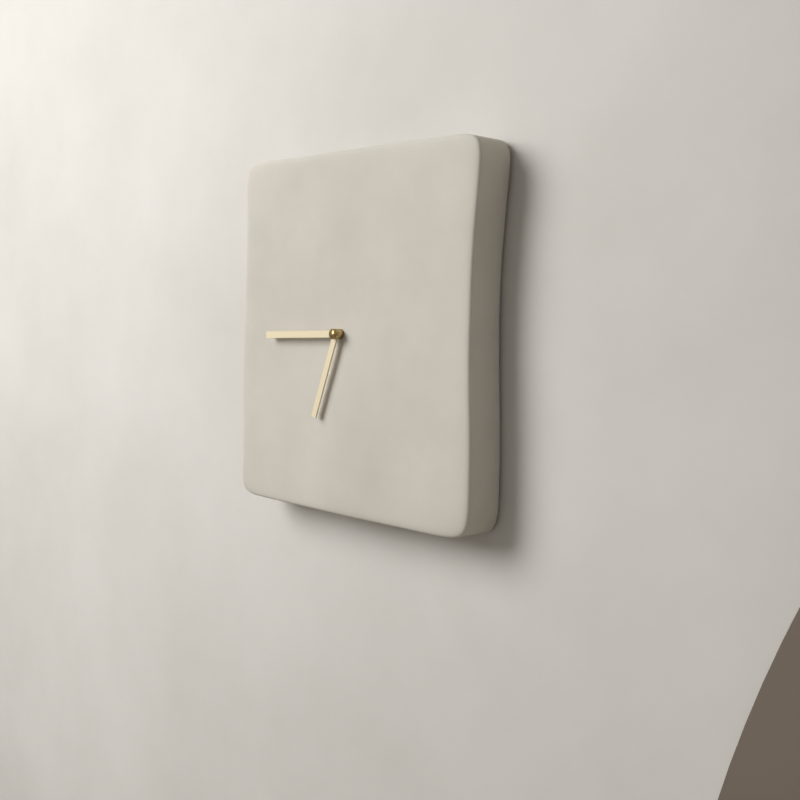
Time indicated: 6:45
